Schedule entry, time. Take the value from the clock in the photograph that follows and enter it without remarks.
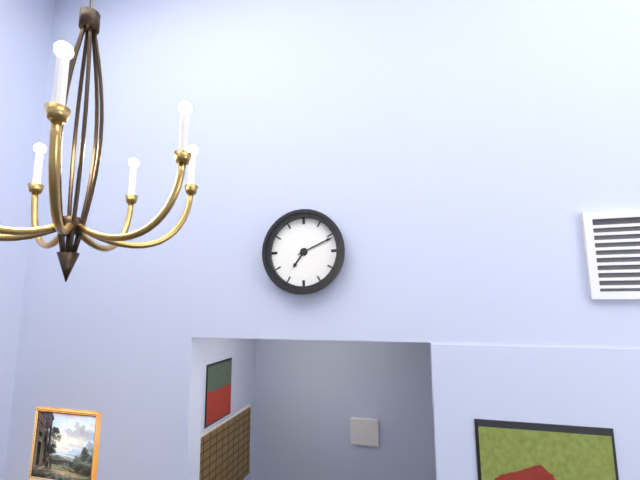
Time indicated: 7:11
